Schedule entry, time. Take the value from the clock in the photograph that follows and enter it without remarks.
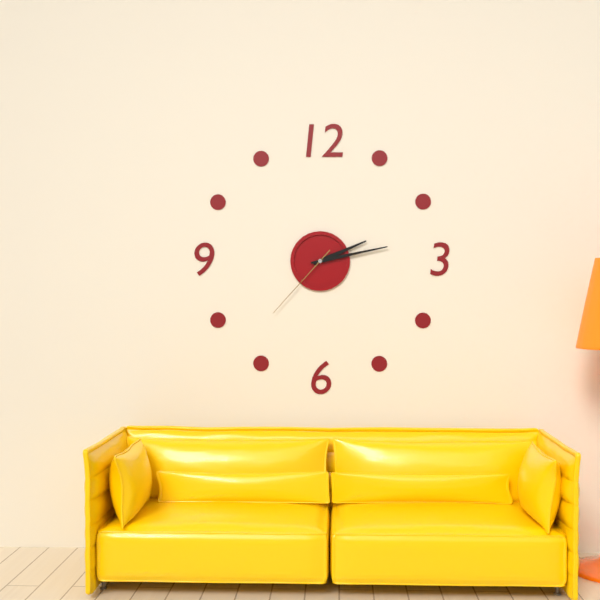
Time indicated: 2:13:37
